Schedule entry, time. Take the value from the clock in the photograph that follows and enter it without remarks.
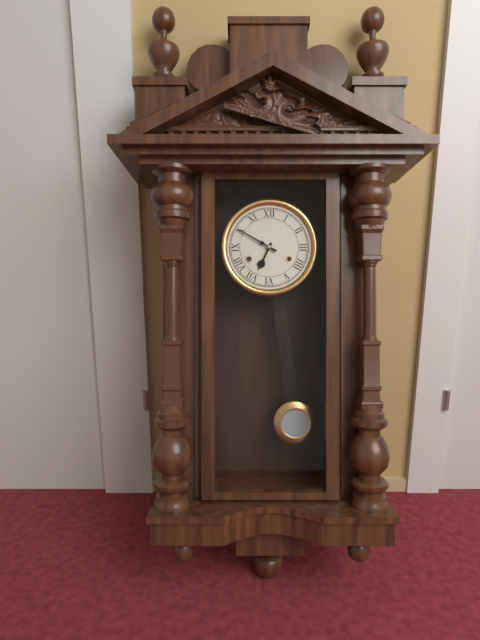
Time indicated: 6:50
